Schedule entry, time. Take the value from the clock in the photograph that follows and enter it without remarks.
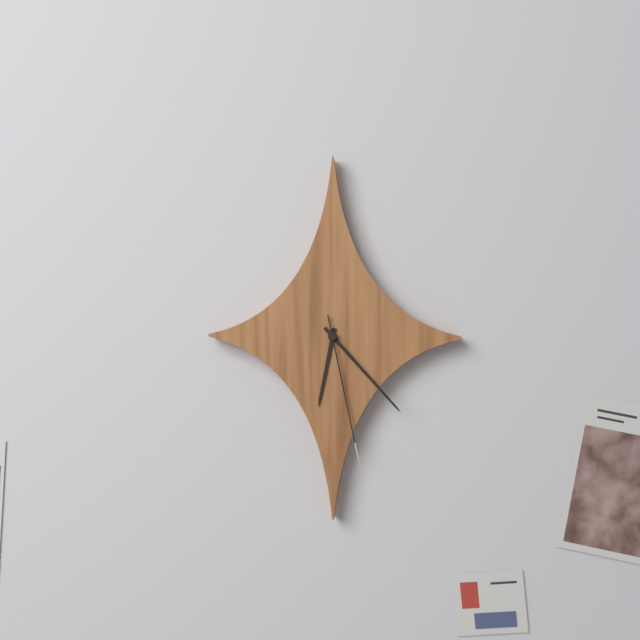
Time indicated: 6:23:28
